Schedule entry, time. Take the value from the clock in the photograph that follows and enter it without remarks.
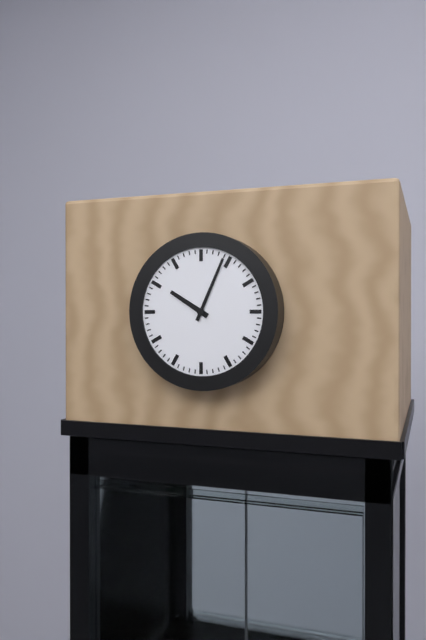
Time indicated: 10:04
